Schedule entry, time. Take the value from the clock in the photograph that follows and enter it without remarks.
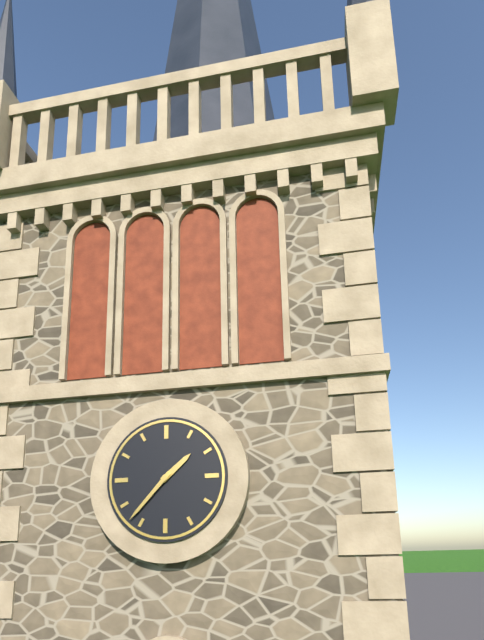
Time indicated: 1:37
